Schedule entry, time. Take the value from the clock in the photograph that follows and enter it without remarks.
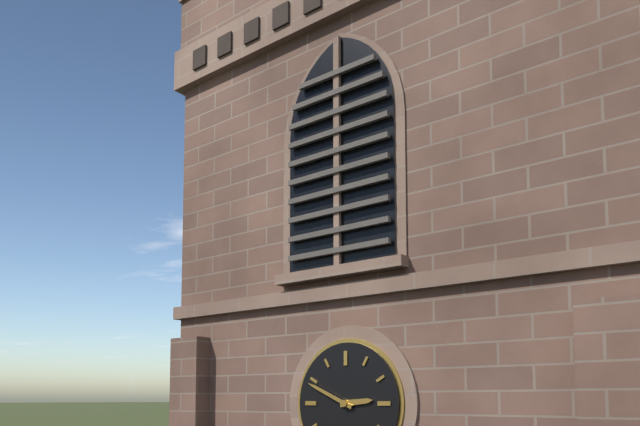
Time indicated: 2:49
